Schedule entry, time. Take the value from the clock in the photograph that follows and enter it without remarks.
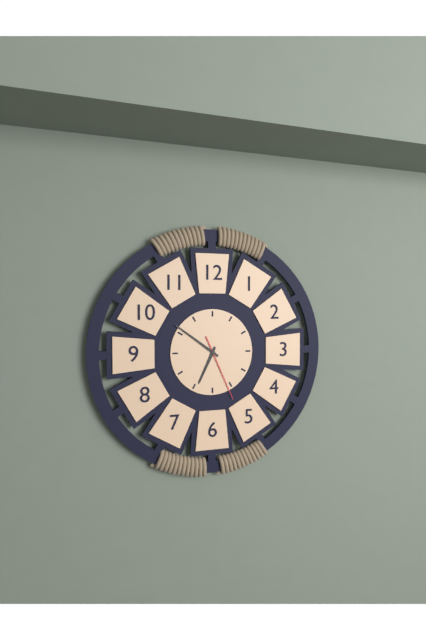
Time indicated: 6:51:26
